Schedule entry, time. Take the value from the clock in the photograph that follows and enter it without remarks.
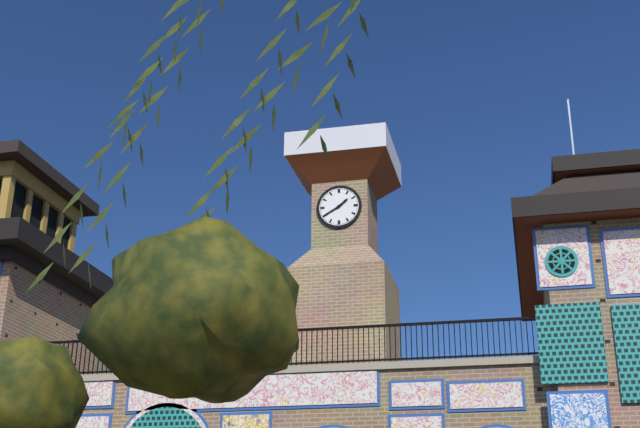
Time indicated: 1:40
